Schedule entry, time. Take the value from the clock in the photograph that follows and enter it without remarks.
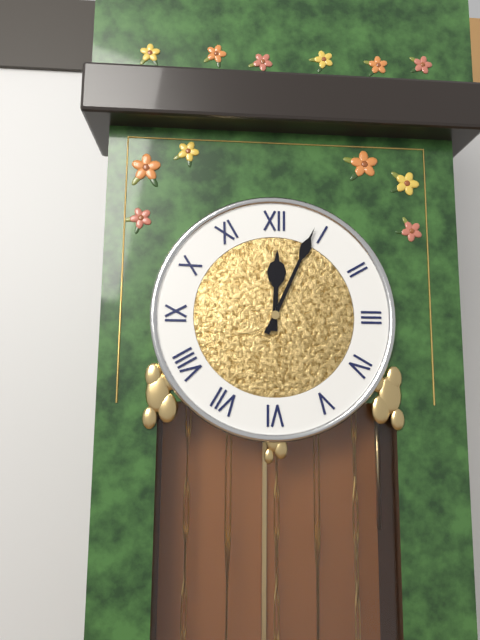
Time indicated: 12:04
